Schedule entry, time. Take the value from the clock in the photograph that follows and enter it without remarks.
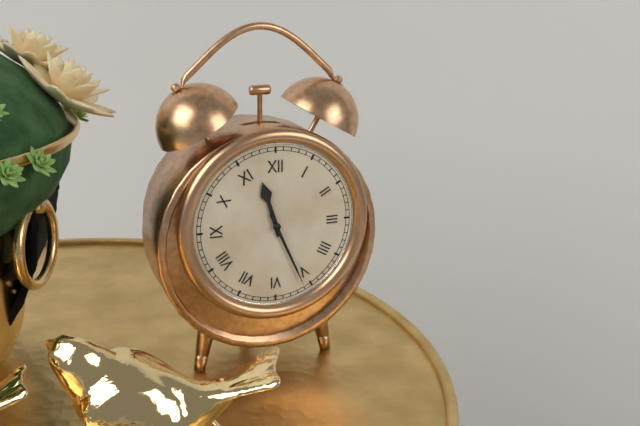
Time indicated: 11:26
